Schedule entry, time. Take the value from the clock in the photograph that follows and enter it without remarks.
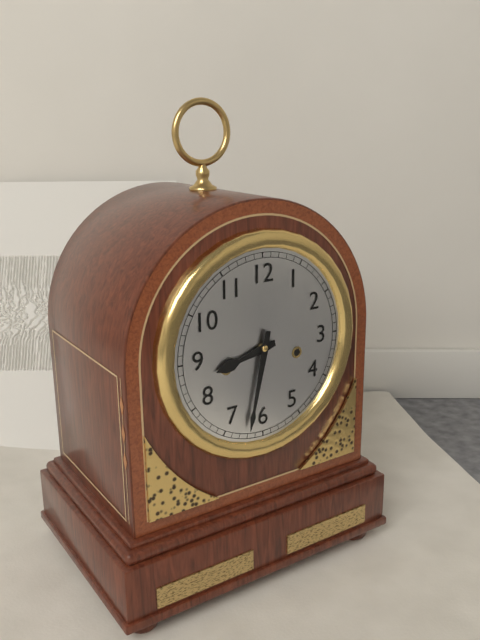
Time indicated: 8:32
